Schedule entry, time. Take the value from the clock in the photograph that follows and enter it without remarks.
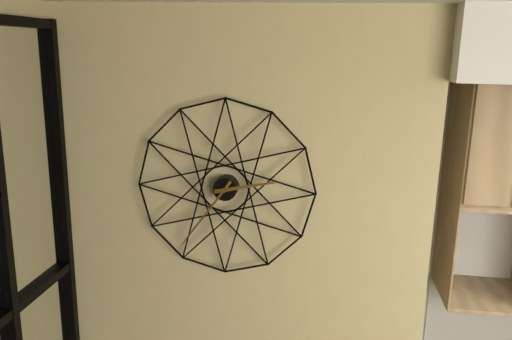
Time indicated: 2:36
